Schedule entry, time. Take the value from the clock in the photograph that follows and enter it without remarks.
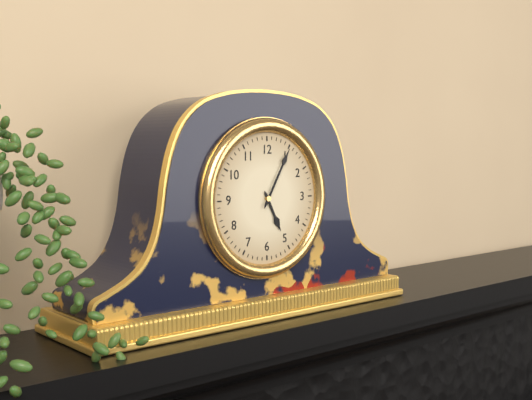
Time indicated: 5:05
